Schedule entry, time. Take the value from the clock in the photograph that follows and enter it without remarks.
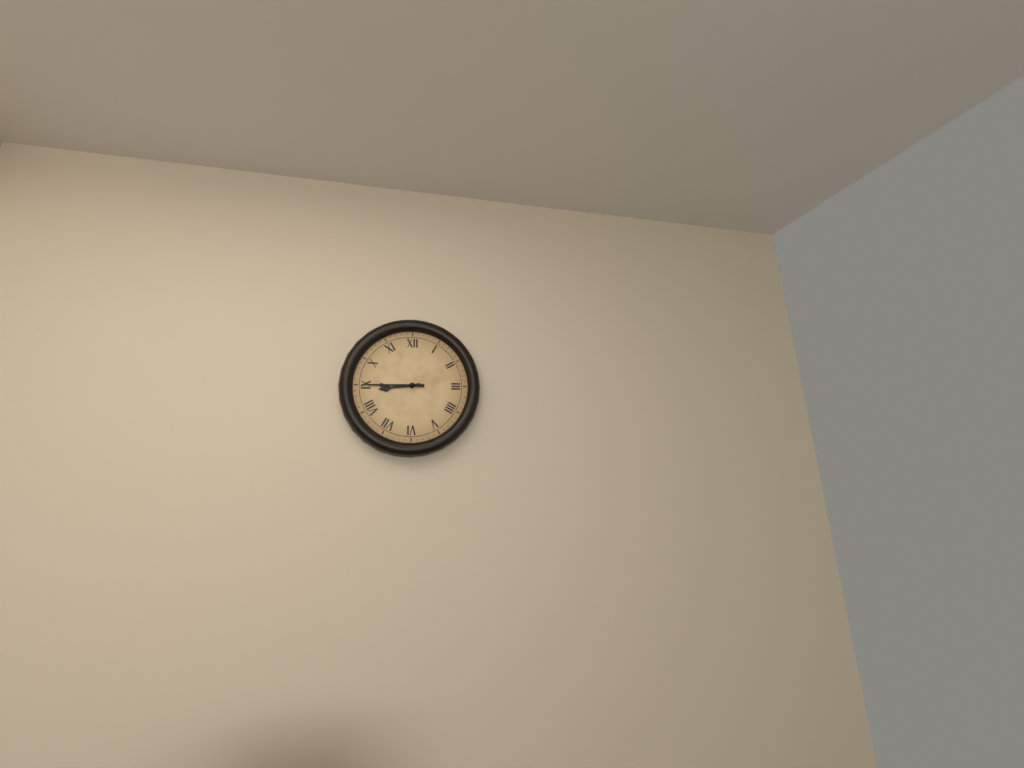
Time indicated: 8:45
